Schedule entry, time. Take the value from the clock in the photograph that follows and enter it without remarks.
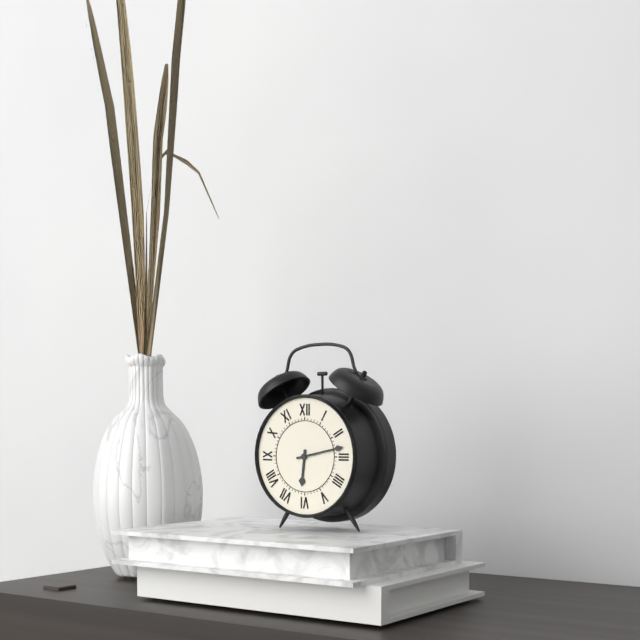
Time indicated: 6:13
